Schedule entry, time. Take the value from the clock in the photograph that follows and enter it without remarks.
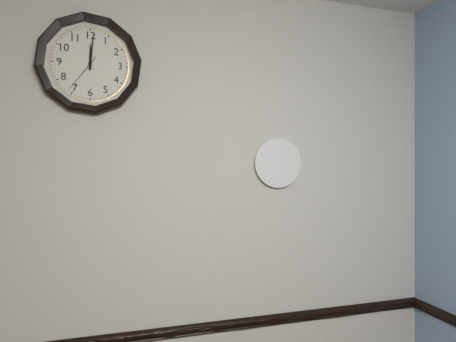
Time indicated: 12:01
